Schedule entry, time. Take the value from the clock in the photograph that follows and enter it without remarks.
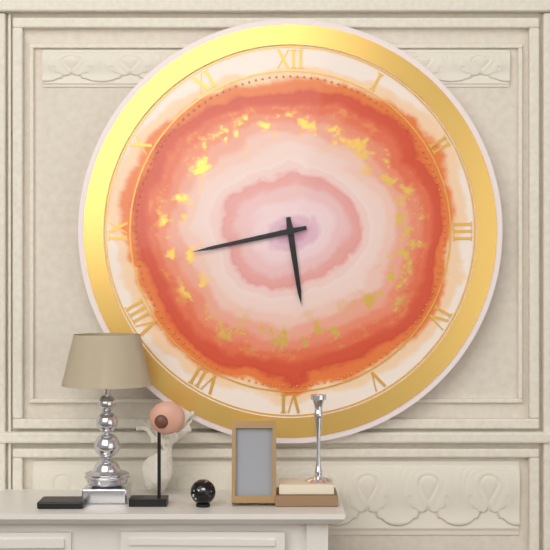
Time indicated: 5:43
